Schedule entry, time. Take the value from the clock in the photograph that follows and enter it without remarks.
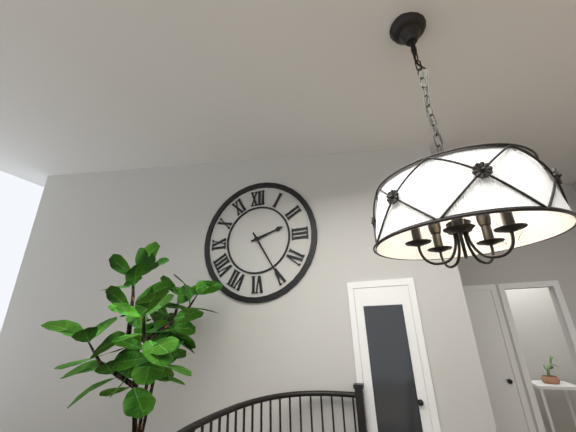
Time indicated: 2:25
